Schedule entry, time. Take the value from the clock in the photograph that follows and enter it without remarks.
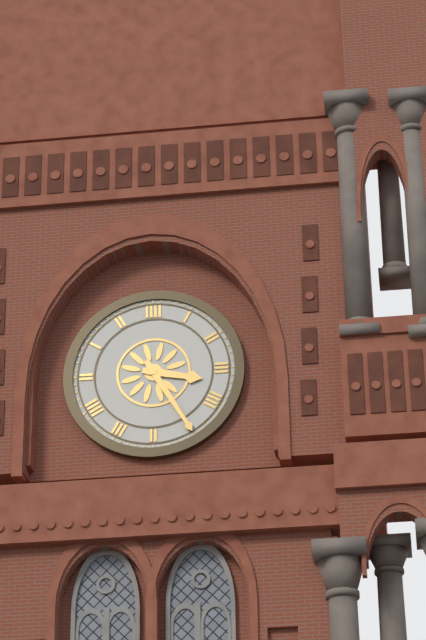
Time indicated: 3:25
